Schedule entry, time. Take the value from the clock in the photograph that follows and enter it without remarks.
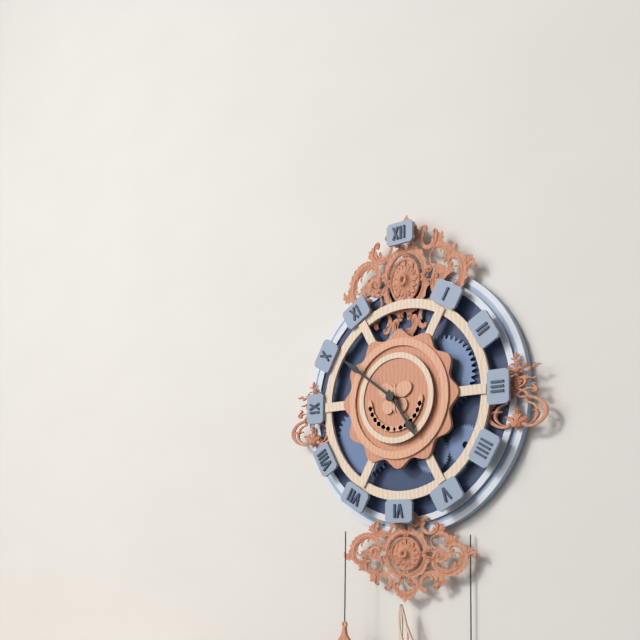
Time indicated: 4:51
